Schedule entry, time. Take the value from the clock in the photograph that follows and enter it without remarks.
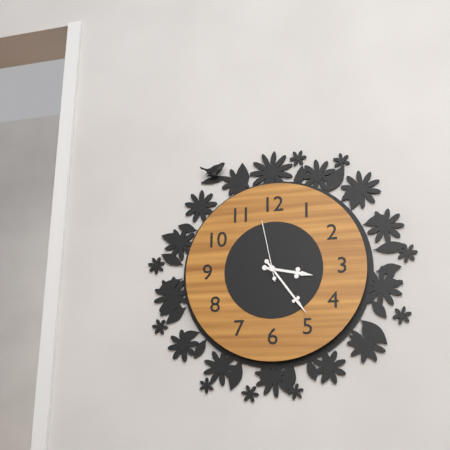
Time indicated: 3:24:58
